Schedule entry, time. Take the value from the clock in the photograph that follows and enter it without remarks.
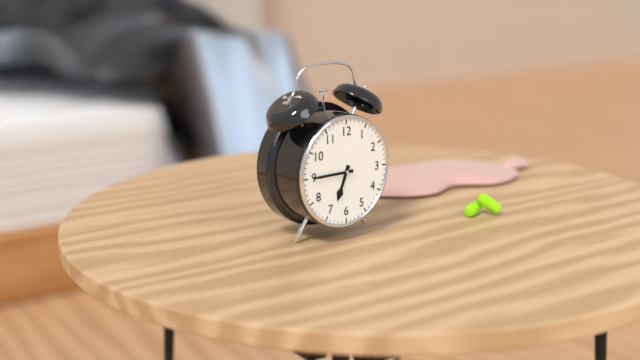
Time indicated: 6:45
